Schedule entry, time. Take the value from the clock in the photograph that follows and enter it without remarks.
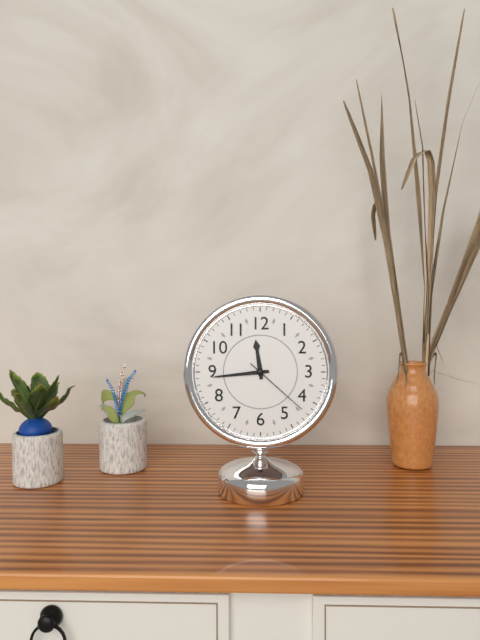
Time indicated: 11:44:22
